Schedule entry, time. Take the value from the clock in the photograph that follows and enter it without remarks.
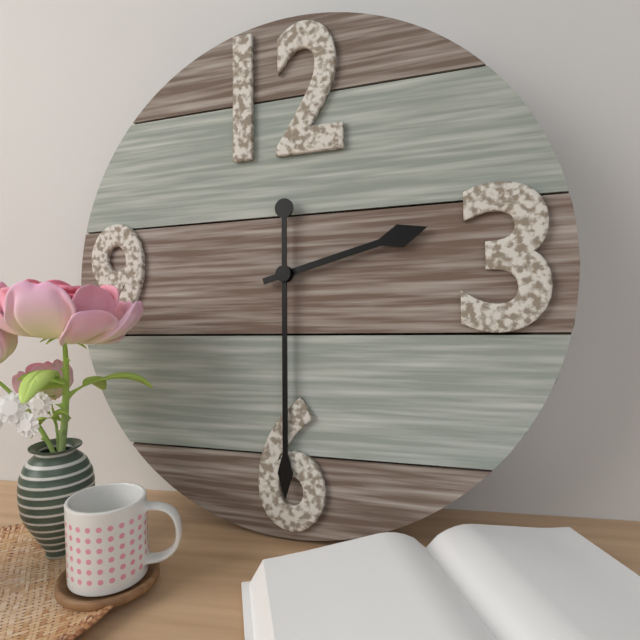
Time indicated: 2:30
